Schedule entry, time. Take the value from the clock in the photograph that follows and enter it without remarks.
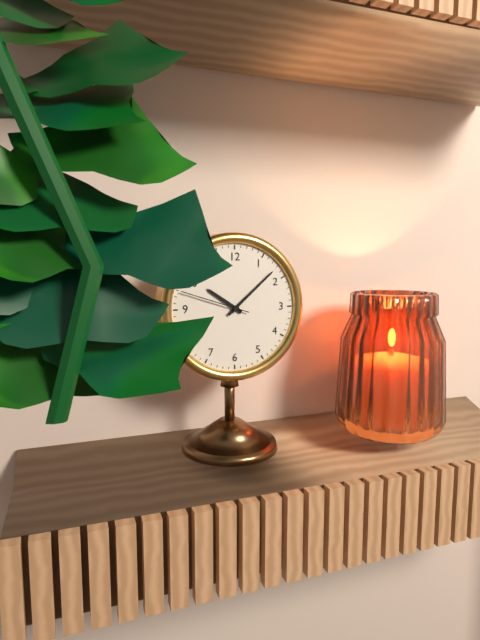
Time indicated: 10:08:48
